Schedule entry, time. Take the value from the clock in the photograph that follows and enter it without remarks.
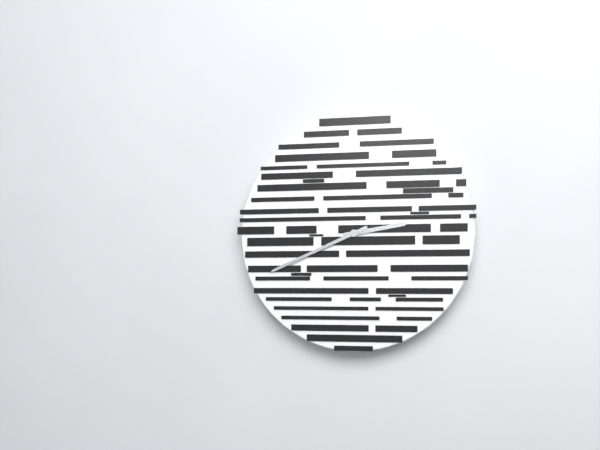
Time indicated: 2:41
